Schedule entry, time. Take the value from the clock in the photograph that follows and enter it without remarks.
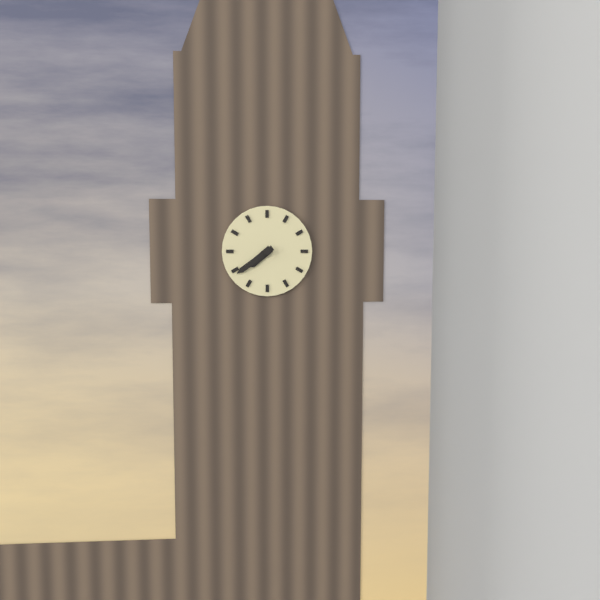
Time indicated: 7:39
